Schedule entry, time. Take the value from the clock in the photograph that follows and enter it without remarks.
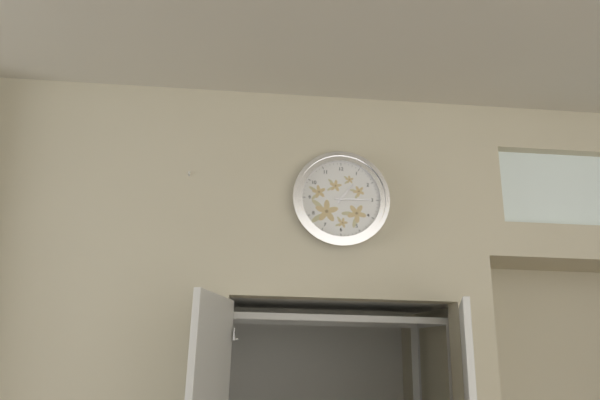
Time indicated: 1:15
